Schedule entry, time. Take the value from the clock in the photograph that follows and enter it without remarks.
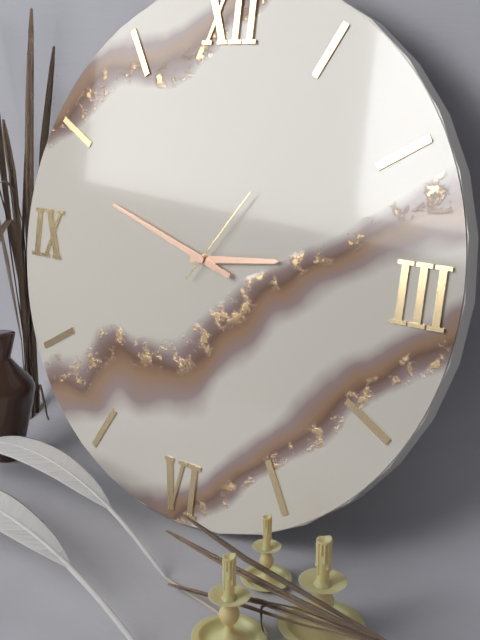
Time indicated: 2:48:06
